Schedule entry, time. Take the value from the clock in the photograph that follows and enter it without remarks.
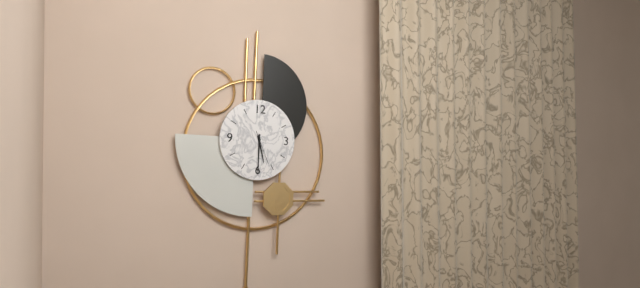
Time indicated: 5:30
